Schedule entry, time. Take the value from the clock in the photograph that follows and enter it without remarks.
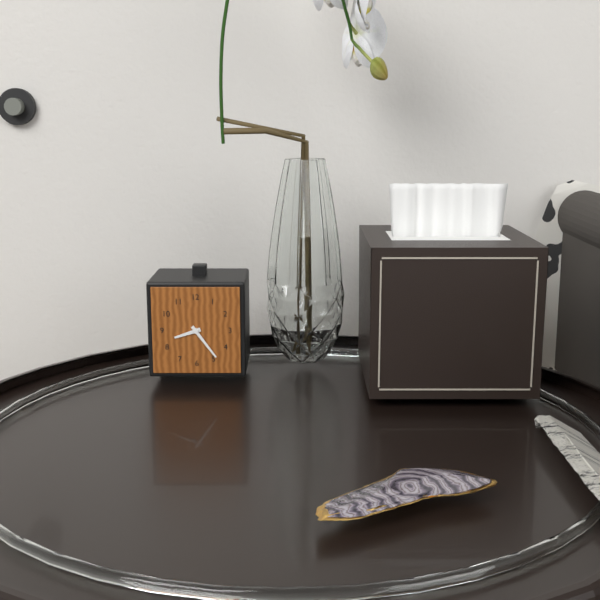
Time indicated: 8:24
